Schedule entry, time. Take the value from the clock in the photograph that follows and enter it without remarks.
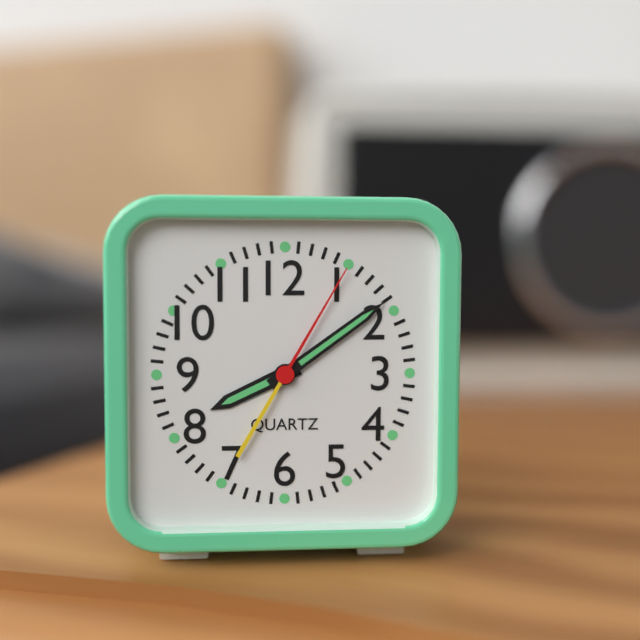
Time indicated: 8:09:05
